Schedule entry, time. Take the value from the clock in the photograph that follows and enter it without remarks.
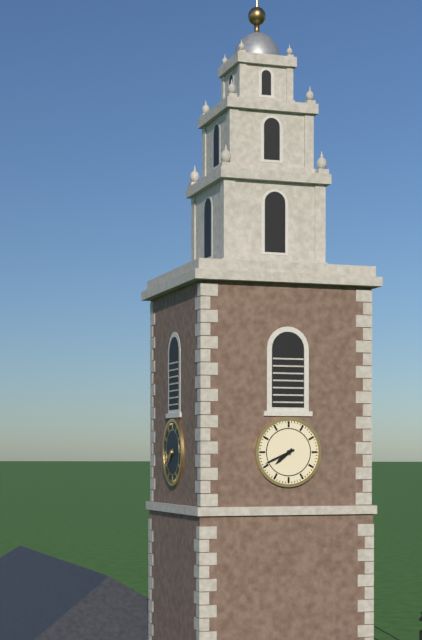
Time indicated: 7:41
